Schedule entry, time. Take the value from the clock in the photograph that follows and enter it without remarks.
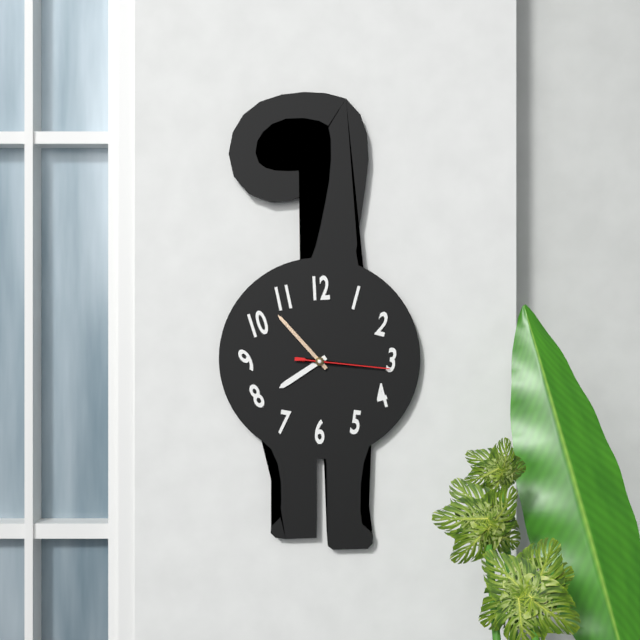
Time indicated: 7:53:16
